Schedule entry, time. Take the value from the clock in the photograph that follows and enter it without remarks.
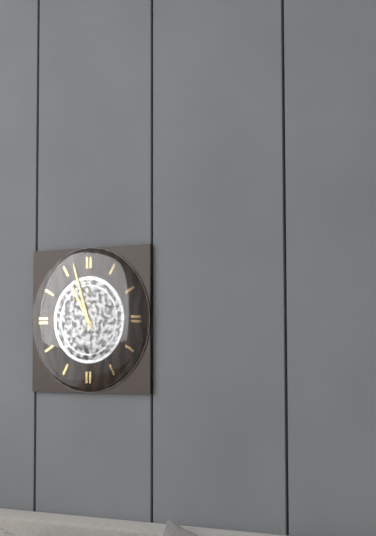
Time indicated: 10:57
